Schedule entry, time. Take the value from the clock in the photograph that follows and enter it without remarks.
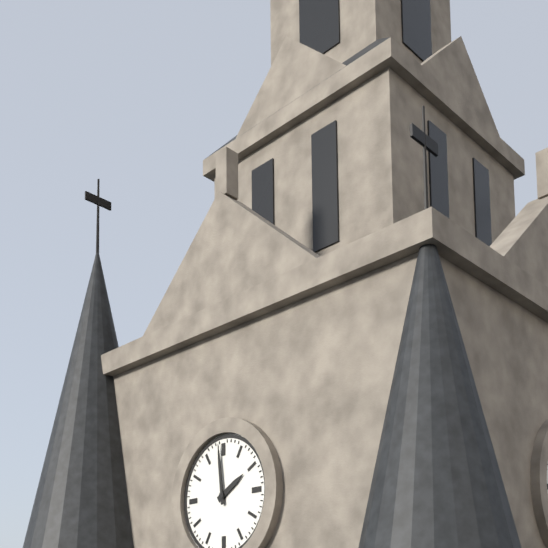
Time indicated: 1:59
